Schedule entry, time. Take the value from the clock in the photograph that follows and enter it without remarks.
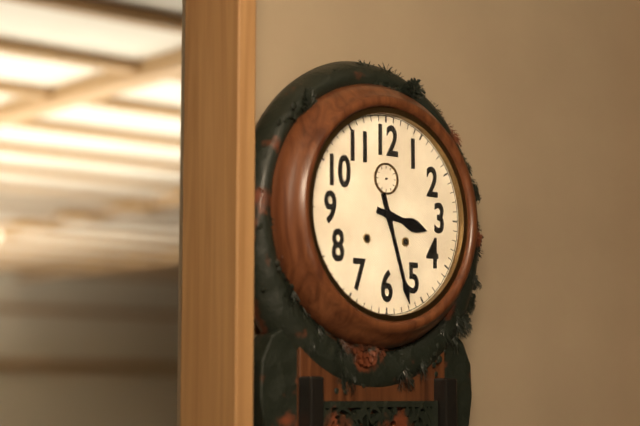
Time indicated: 3:27
